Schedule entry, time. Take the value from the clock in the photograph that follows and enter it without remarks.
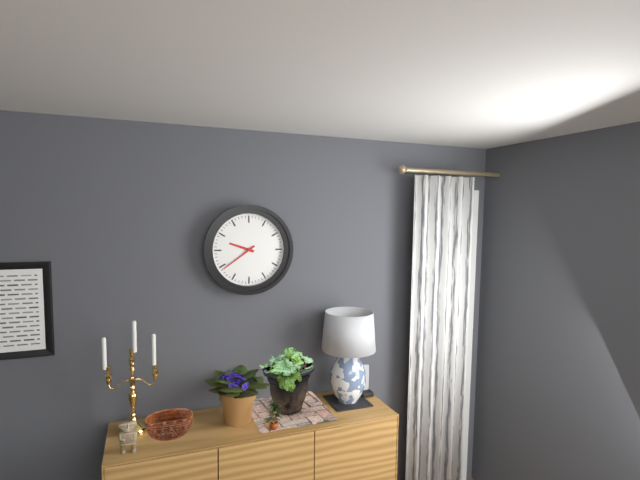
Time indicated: 9:39
